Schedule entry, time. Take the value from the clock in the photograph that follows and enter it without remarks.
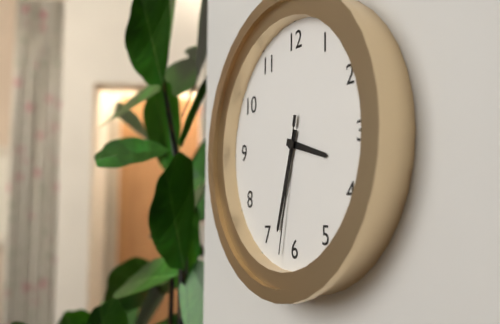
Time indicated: 3:33:32
